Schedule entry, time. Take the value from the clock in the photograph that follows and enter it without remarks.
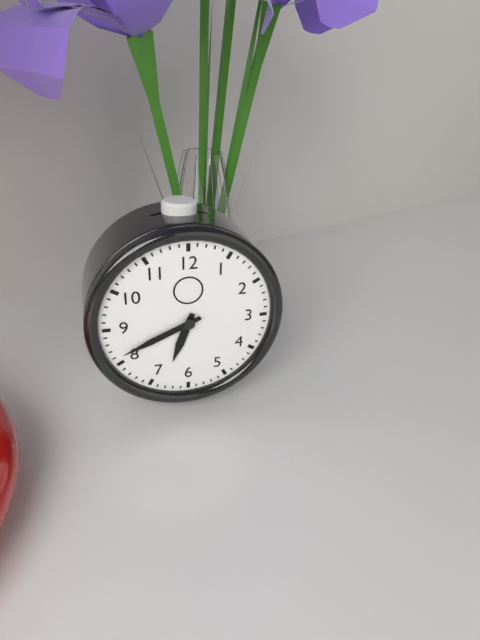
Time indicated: 6:41
